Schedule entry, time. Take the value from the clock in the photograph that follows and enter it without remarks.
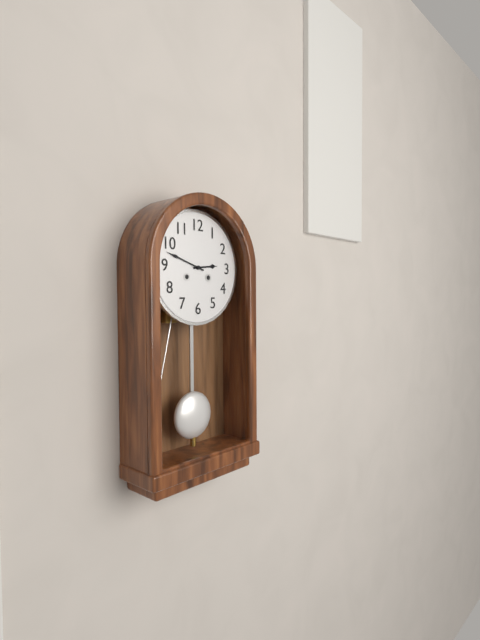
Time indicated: 2:48
